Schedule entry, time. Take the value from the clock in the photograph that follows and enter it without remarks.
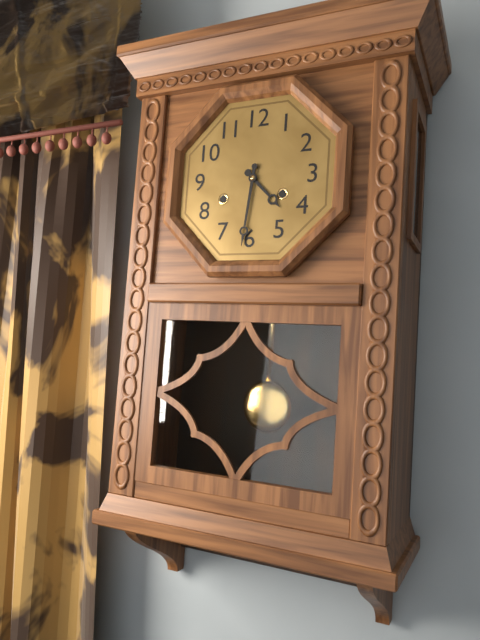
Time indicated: 4:31
